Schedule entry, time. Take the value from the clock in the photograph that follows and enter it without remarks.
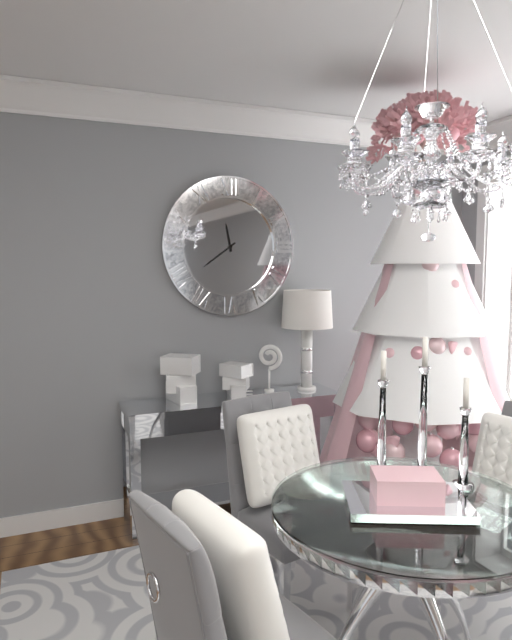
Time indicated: 11:39
